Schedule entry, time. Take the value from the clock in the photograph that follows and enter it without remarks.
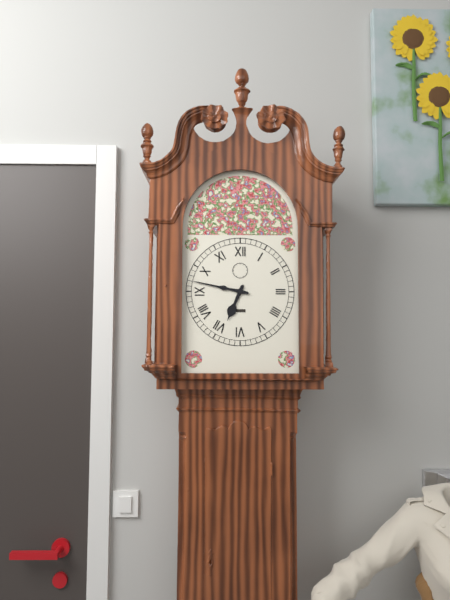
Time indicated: 6:47
